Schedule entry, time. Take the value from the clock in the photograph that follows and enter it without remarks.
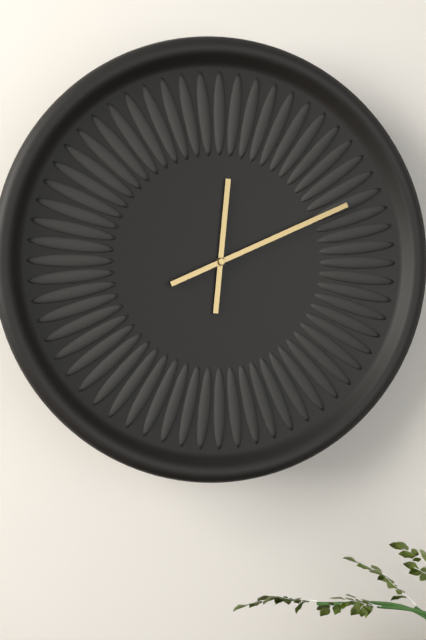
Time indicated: 12:11
